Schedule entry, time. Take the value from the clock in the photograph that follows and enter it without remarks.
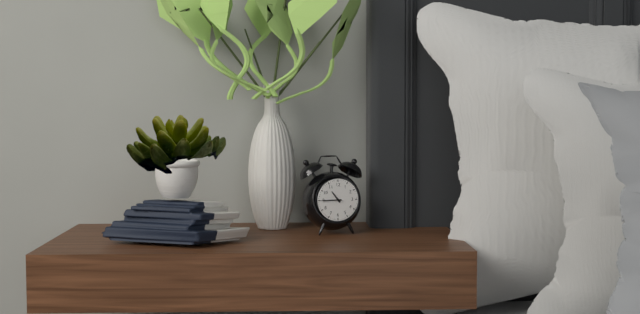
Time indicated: 10:45
